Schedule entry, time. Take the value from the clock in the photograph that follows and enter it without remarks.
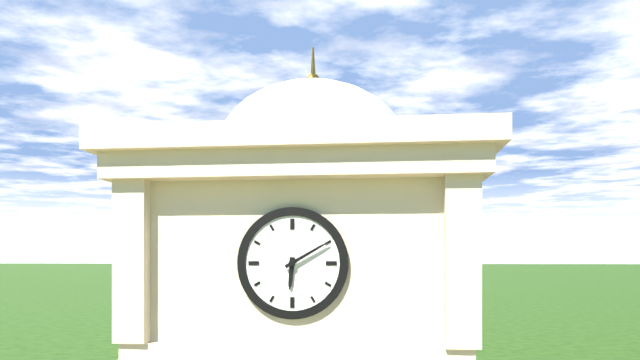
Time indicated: 6:10
